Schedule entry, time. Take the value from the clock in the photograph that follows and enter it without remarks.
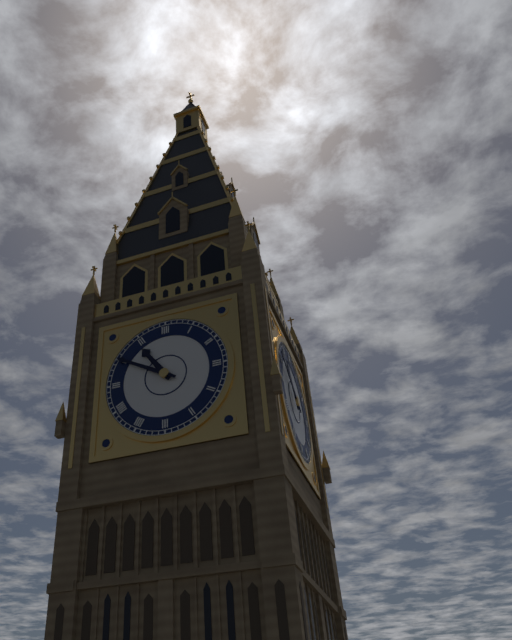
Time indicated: 10:50
